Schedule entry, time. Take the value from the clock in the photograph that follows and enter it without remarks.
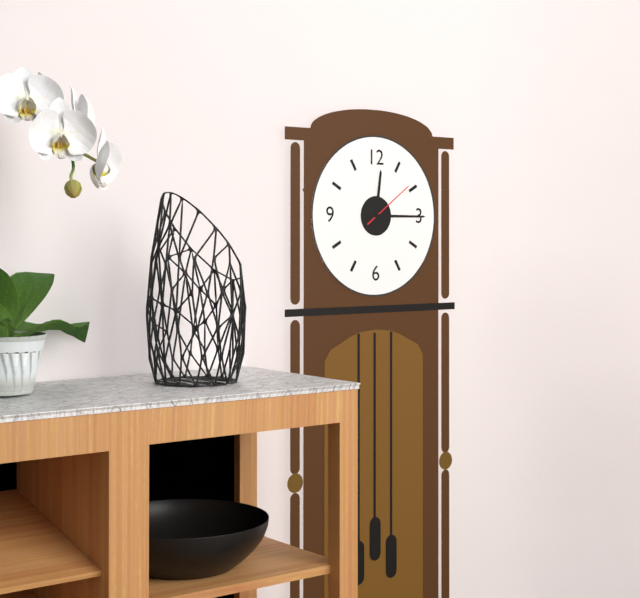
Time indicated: 12:15:09
